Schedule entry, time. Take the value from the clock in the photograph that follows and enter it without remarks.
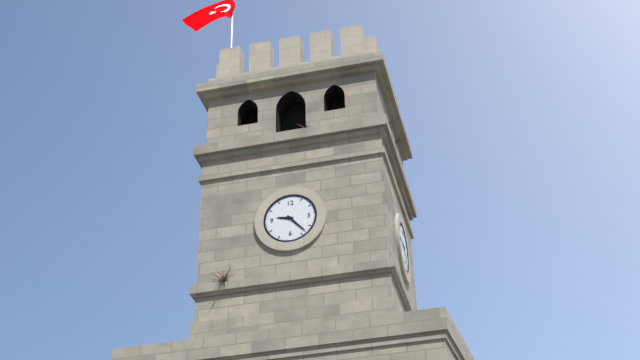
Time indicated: 9:23
